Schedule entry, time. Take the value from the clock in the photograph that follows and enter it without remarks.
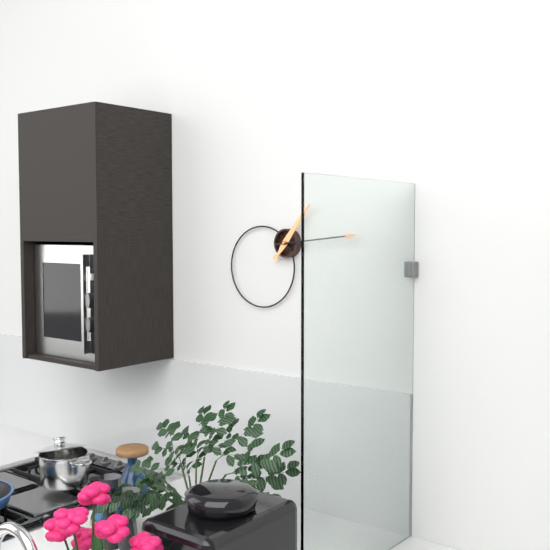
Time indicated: 1:14
